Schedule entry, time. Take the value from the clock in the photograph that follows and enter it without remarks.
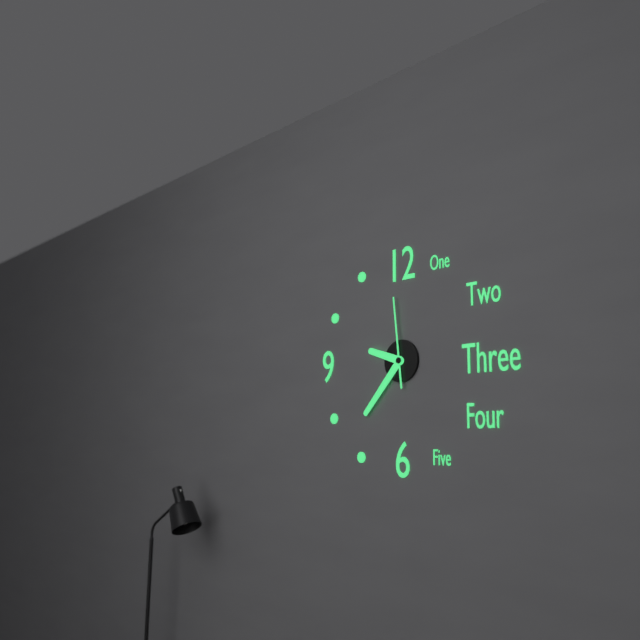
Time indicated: 9:37:59
